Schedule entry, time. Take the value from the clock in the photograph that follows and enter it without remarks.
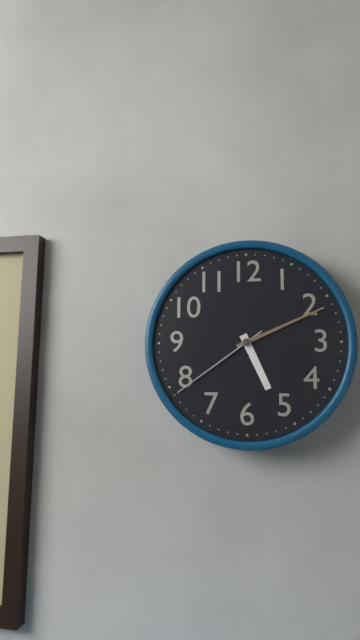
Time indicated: 5:11:39
